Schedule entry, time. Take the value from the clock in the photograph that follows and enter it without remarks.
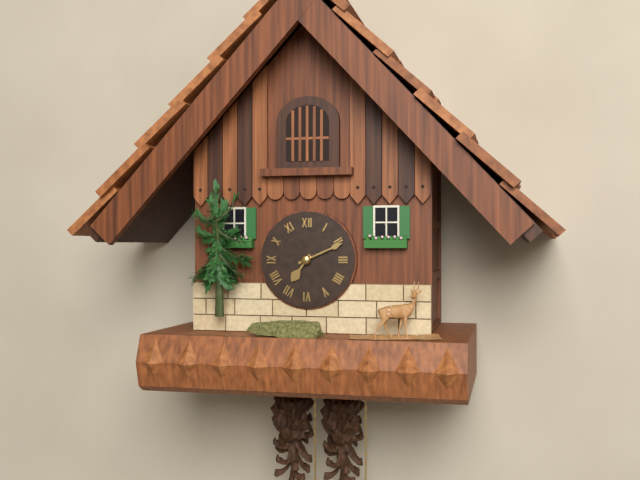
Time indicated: 7:11
